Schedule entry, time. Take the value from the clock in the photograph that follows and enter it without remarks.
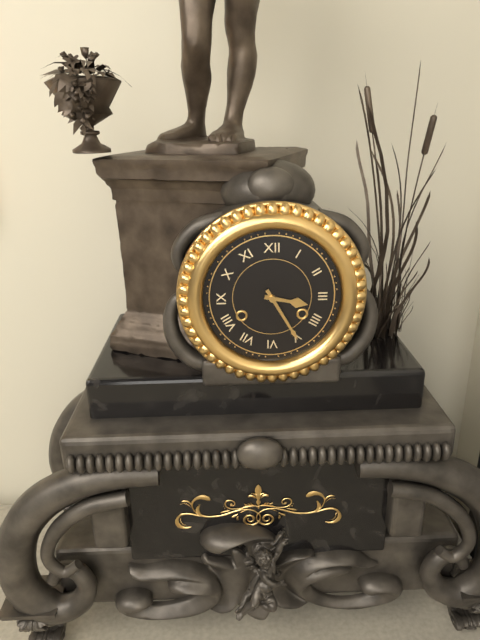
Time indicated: 3:25
